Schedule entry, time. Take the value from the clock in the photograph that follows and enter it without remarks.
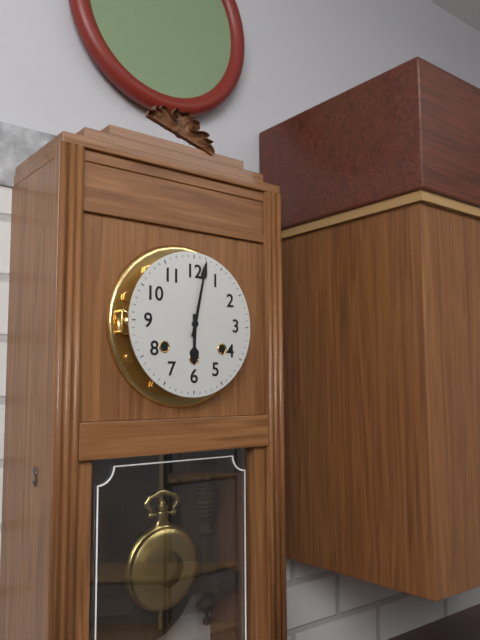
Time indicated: 6:02
